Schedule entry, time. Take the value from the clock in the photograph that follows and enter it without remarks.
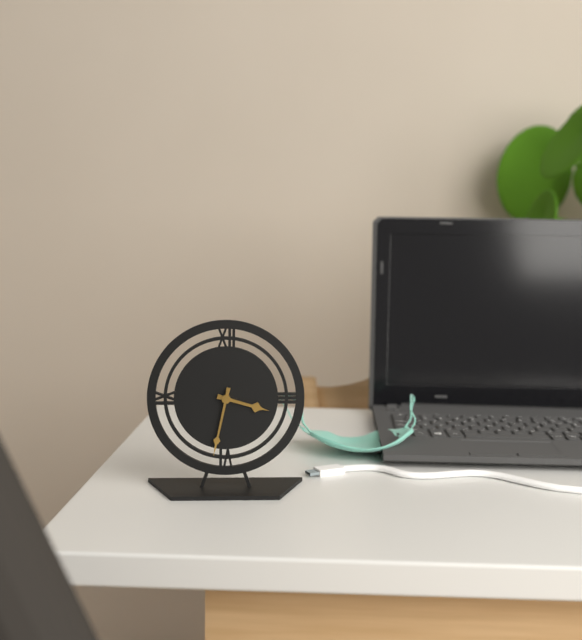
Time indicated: 3:32
